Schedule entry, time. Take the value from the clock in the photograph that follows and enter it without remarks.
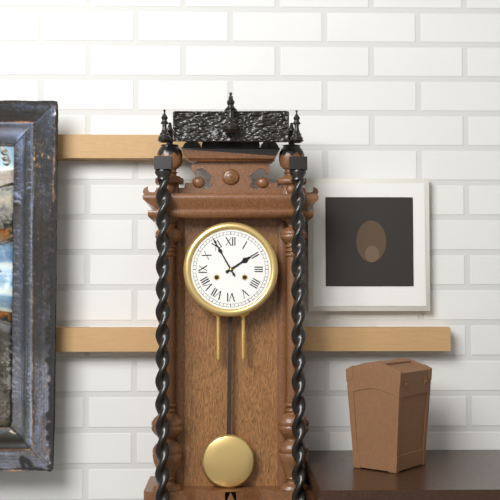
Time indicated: 1:55
